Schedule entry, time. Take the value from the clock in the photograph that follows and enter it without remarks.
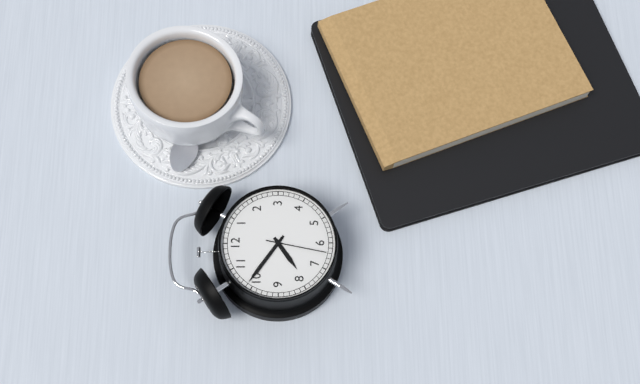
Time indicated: 7:51:32
